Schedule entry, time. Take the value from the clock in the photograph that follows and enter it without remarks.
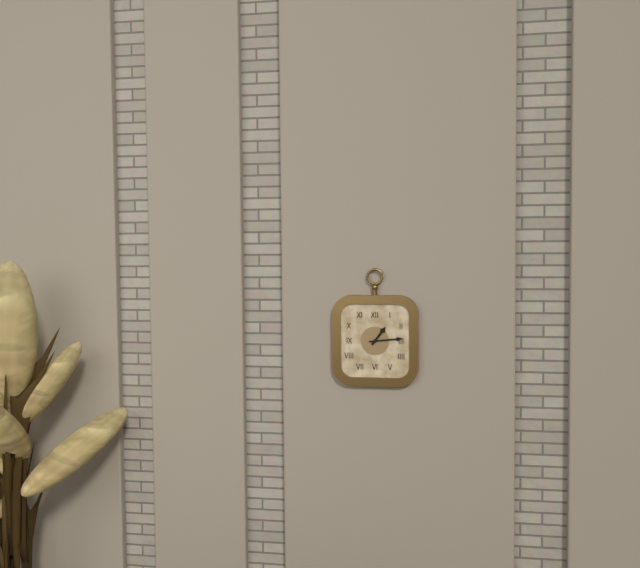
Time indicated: 1:14
